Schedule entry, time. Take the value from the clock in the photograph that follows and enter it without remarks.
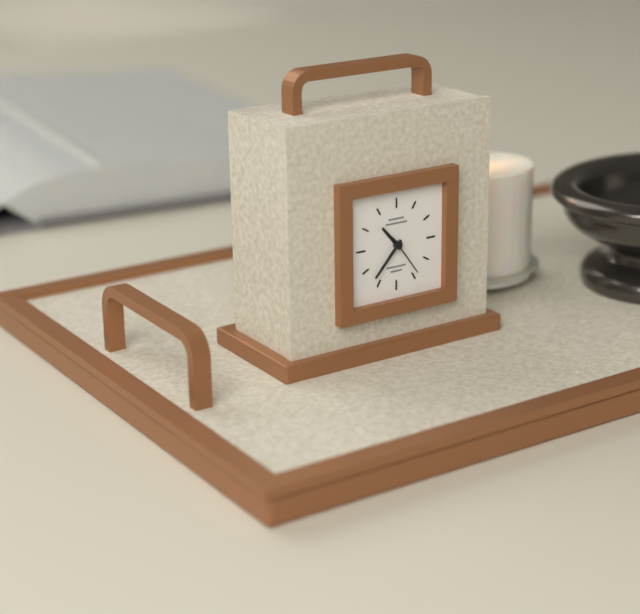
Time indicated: 10:37
